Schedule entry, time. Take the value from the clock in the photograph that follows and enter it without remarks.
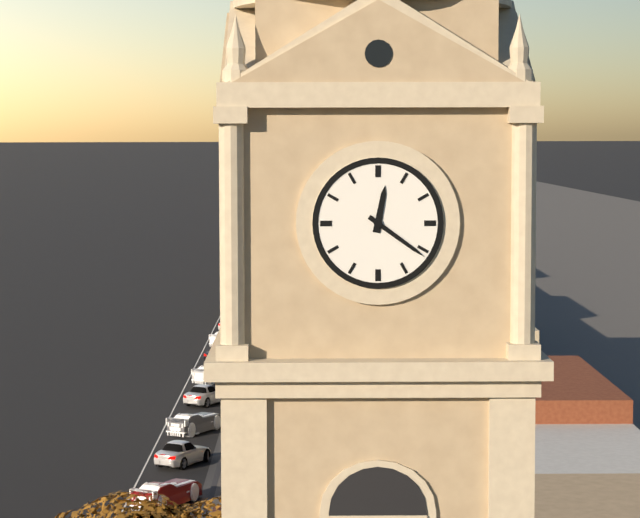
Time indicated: 12:21
